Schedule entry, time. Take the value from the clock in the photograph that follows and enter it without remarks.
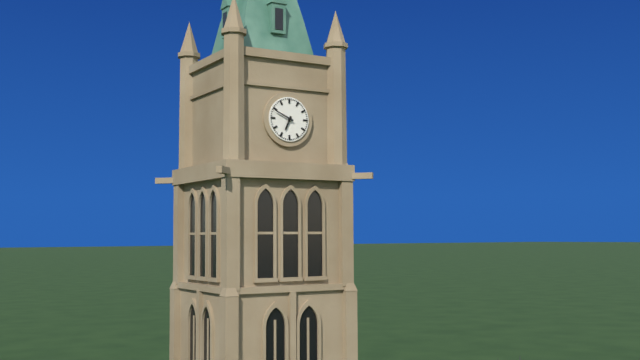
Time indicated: 6:49
